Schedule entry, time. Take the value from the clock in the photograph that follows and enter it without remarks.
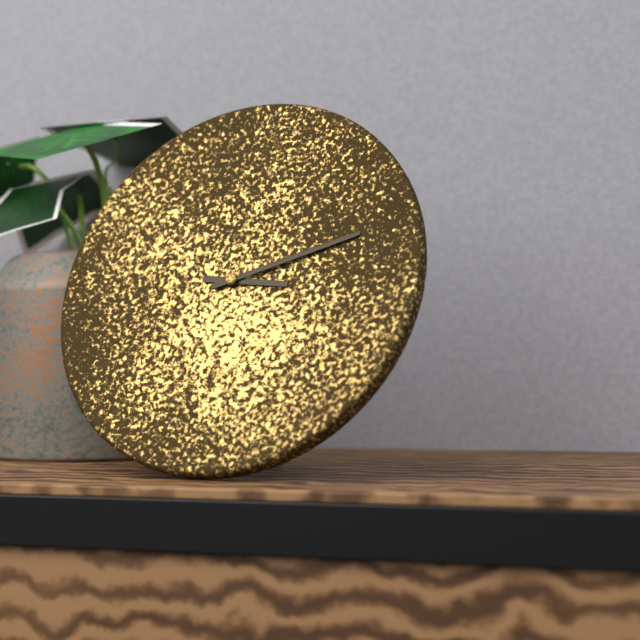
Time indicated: 3:12
